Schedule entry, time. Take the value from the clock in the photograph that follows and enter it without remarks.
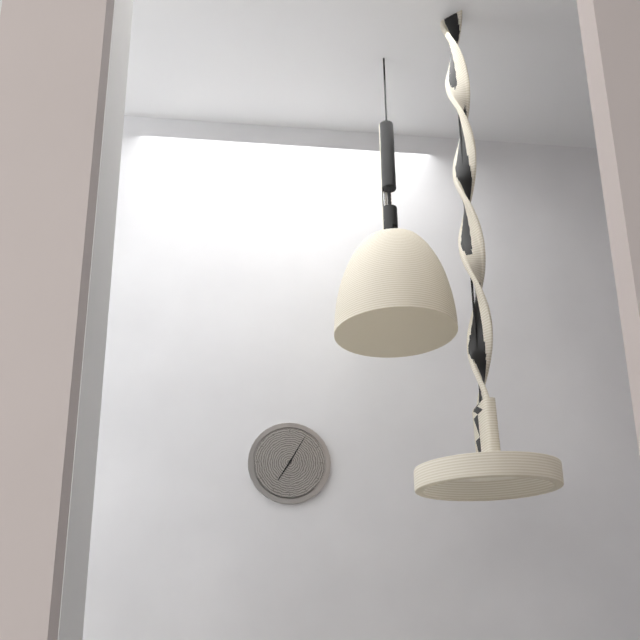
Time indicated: 7:05
